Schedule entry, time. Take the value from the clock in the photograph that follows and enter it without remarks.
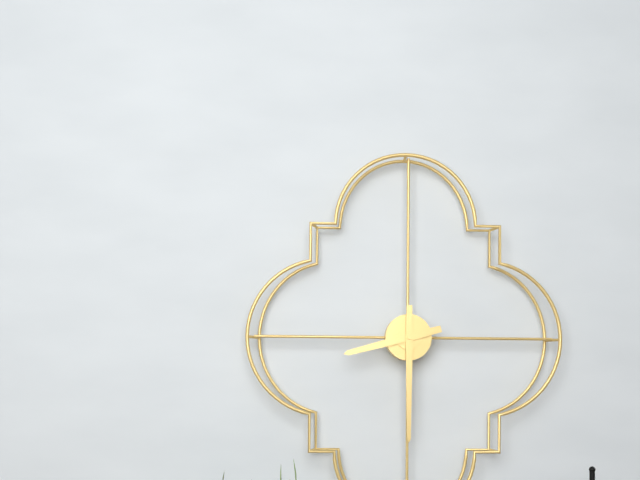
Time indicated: 8:30
